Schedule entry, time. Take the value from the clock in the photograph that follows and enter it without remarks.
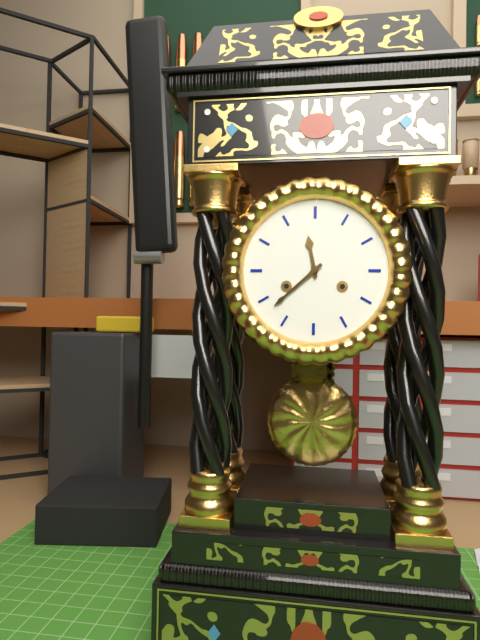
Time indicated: 11:38
